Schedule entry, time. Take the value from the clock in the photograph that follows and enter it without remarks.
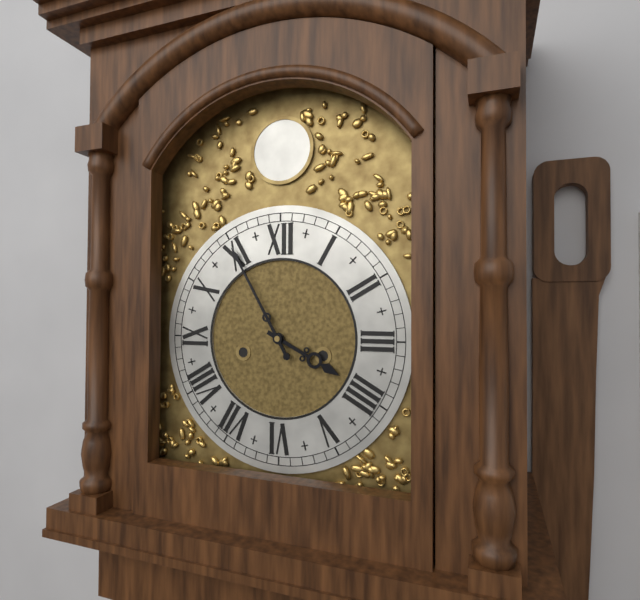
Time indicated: 3:55
